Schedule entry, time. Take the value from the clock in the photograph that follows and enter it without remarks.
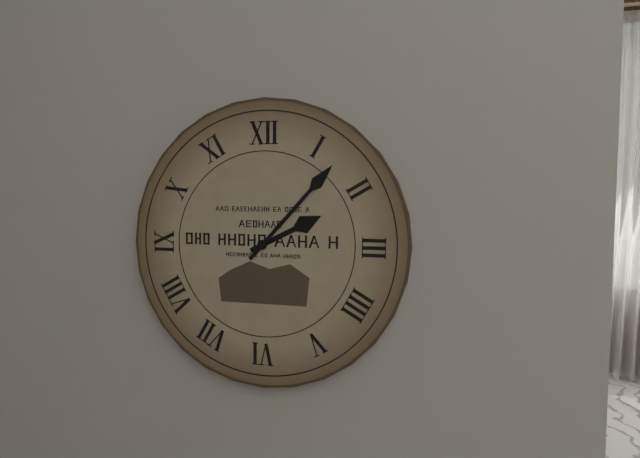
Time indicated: 2:07
